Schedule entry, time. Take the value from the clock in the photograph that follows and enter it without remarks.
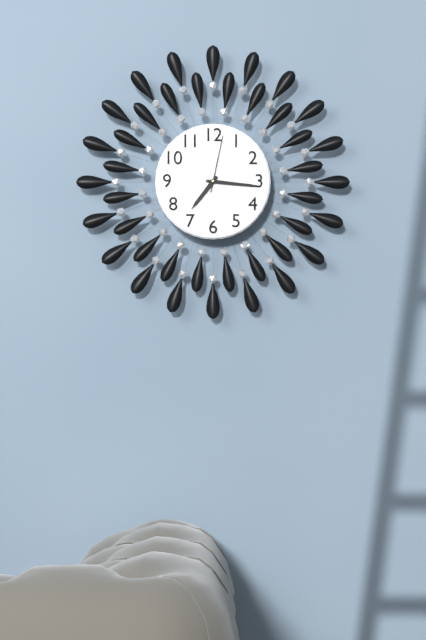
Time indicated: 7:16:02
